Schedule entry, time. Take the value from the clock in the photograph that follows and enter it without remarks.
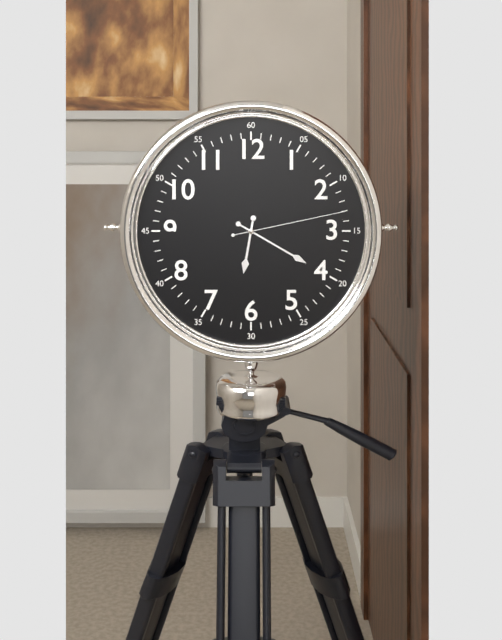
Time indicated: 6:20:13
